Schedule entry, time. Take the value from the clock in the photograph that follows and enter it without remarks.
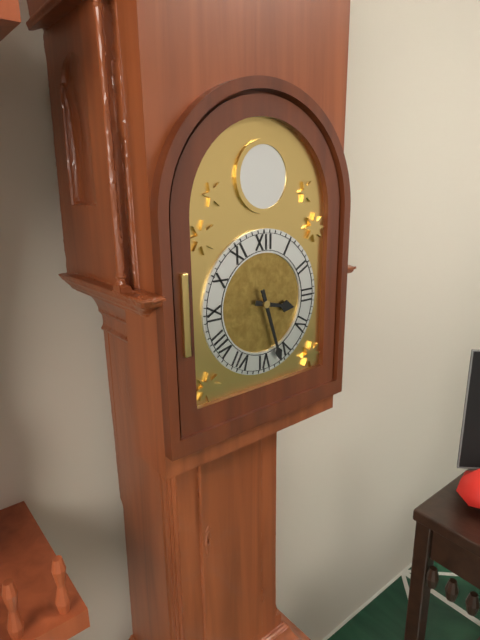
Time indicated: 3:27
